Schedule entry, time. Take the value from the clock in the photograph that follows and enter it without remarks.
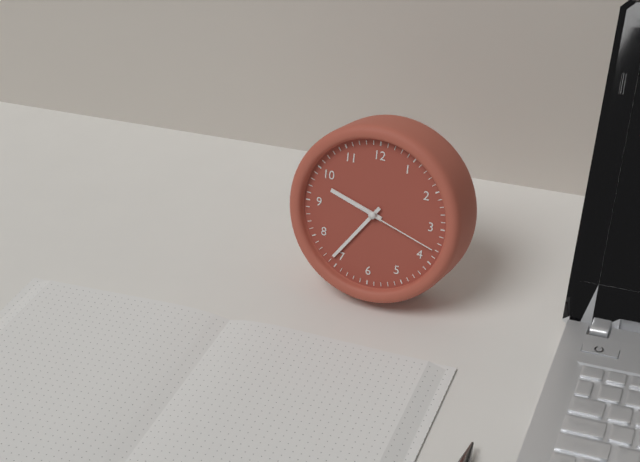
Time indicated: 9:36:18
